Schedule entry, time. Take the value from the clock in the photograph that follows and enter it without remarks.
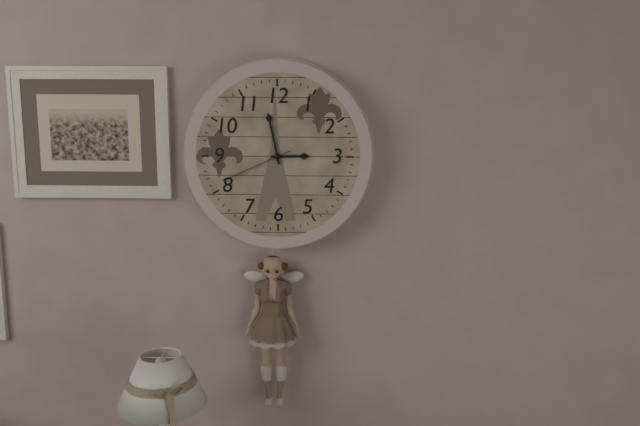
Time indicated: 2:58:41
